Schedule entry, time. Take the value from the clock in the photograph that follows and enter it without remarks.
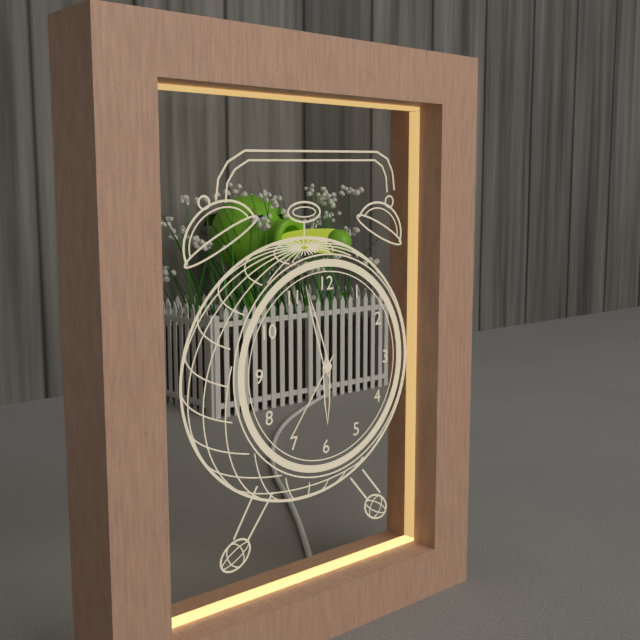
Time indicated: 5:57:36
